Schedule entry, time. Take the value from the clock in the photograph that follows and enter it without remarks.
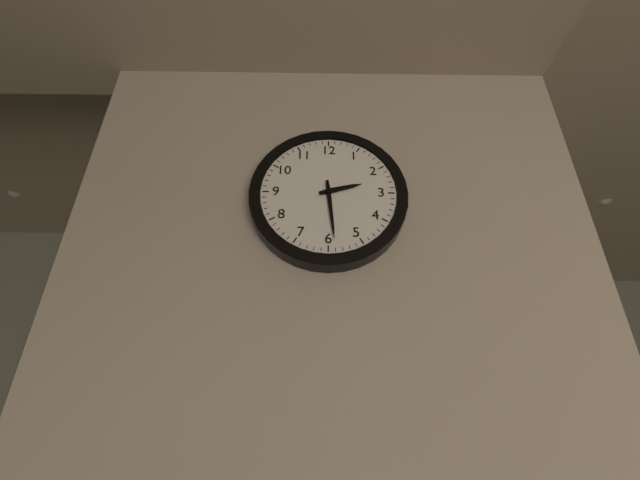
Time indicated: 2:29
